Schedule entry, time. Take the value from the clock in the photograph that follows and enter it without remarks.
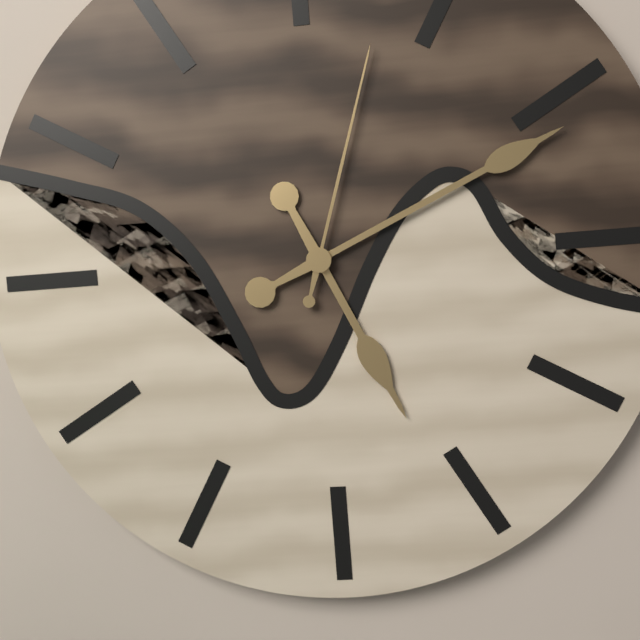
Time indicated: 5:11:03
